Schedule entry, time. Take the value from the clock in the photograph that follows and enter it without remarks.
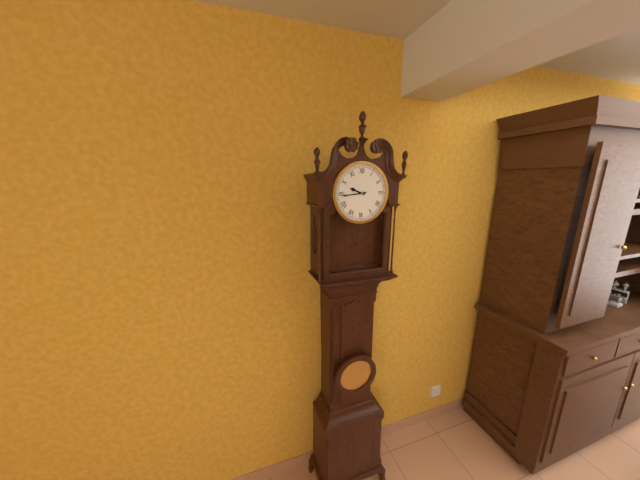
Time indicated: 9:44
